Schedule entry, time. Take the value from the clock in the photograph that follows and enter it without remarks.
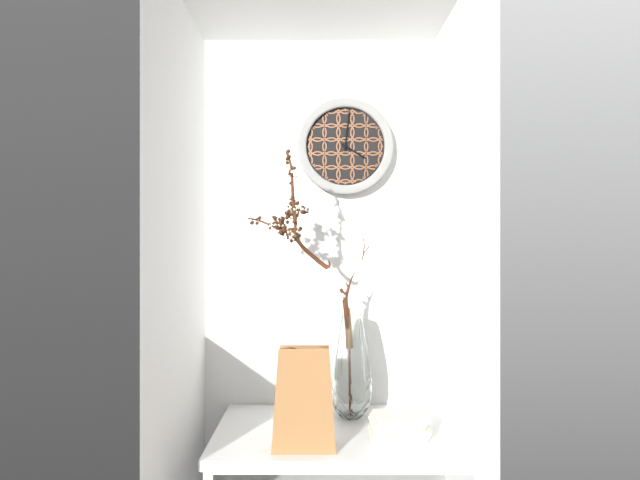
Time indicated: 4:01
